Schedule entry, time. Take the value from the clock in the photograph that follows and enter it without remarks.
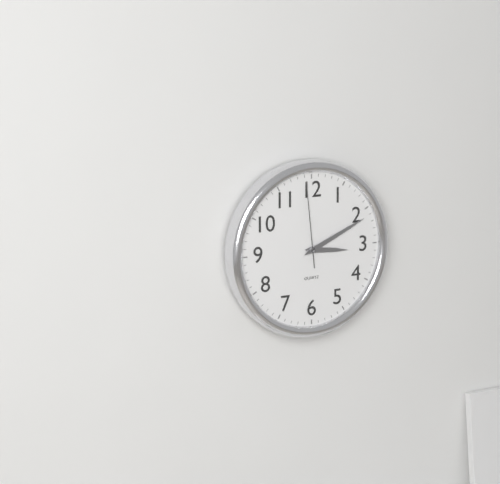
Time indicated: 3:11:59
